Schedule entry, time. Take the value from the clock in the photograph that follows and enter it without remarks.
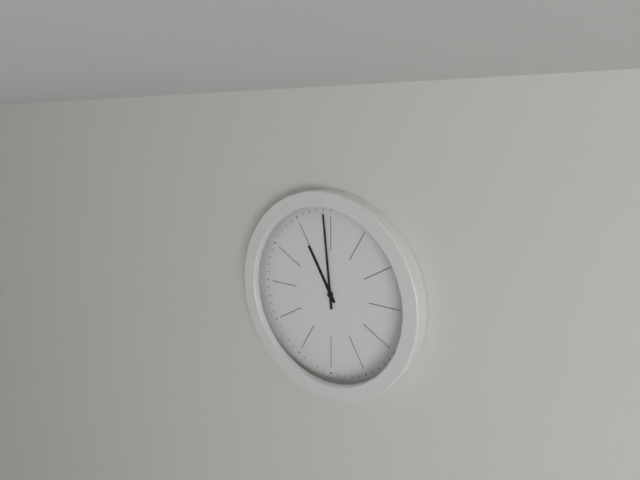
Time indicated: 10:59
